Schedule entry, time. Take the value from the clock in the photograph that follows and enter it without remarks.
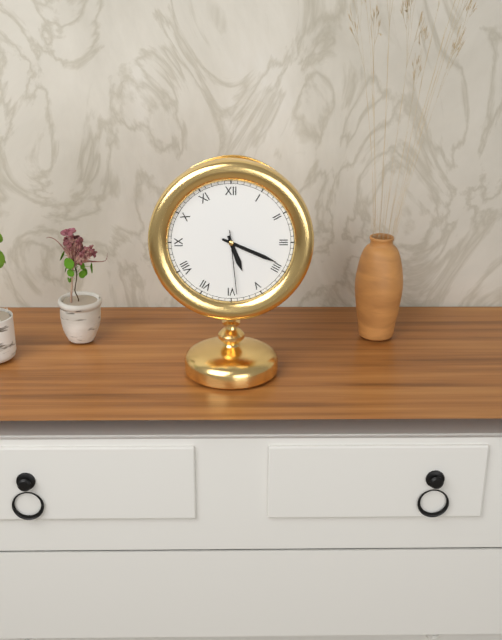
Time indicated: 5:19:29
